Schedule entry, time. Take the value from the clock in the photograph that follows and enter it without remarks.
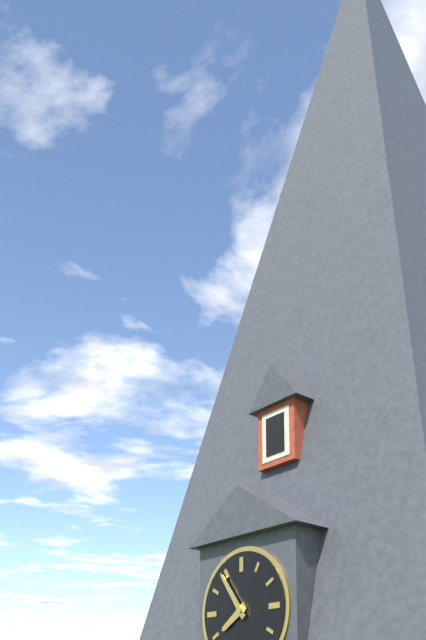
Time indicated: 7:54
